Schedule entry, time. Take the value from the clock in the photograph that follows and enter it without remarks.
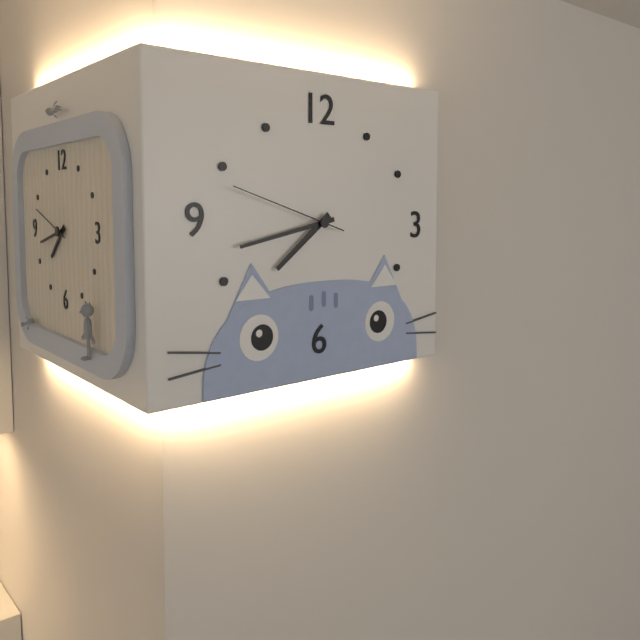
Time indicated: 7:43:48
